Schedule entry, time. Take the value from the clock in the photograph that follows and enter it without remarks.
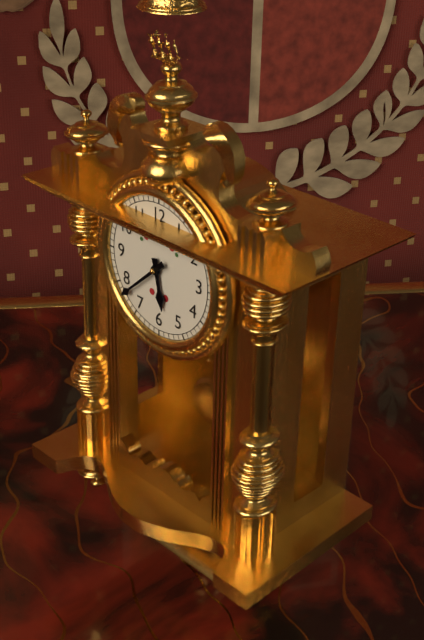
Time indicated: 5:38
